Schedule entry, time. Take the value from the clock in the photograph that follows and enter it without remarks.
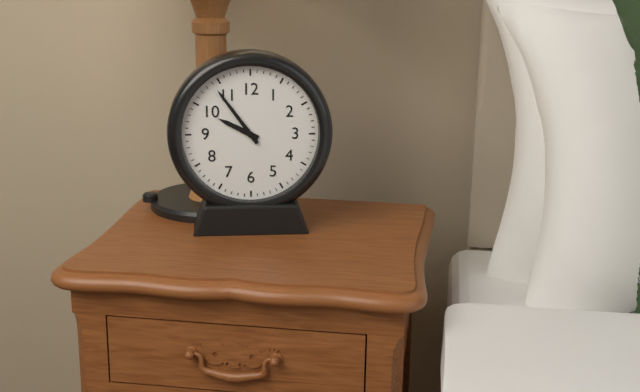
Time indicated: 9:54
